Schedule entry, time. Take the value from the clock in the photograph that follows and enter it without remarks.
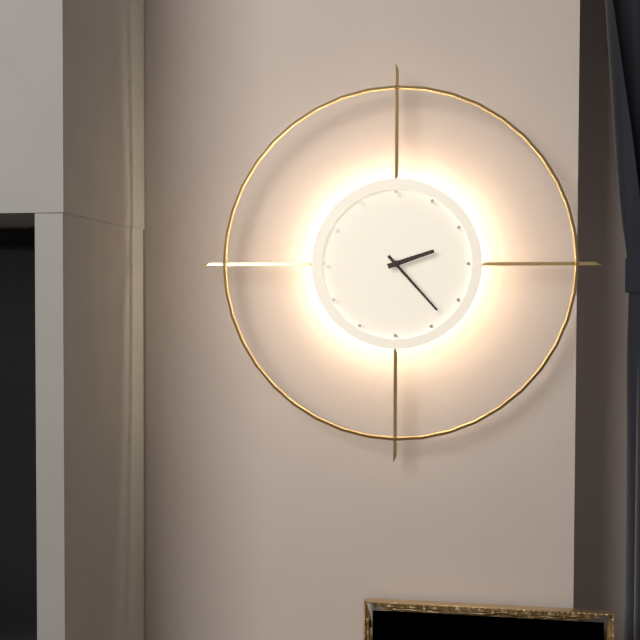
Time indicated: 2:23
